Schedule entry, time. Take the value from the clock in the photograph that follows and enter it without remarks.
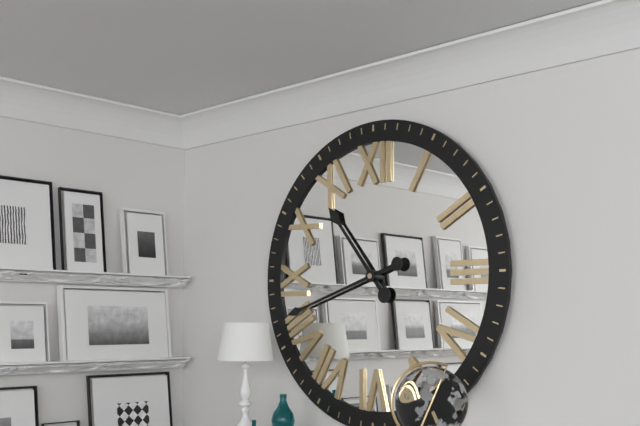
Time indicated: 10:42
